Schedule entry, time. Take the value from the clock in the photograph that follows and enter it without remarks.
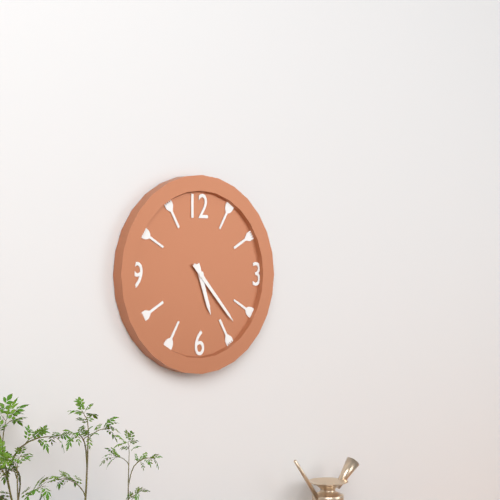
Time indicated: 5:23
